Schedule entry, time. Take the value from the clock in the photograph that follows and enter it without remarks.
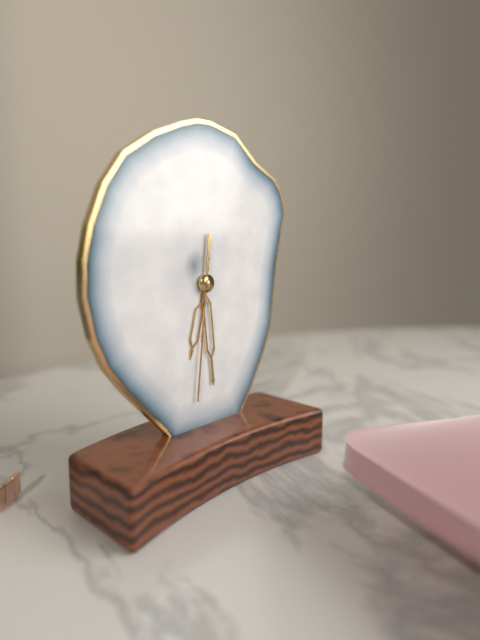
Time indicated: 6:29:31
